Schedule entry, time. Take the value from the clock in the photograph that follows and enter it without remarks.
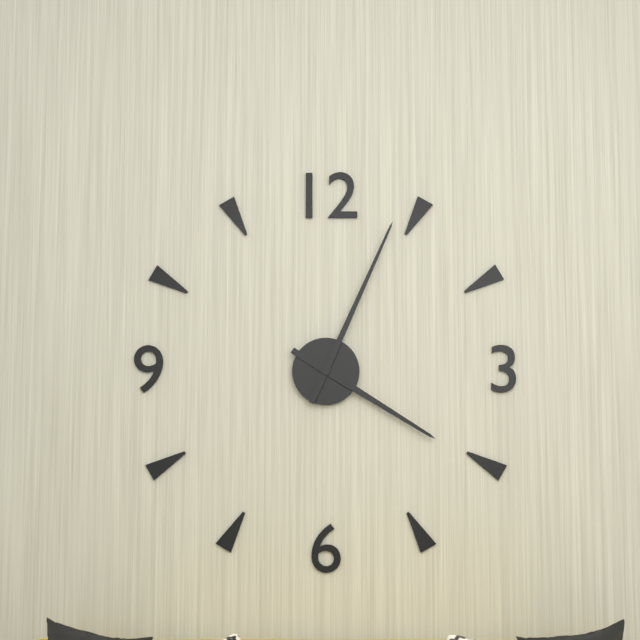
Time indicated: 4:04
